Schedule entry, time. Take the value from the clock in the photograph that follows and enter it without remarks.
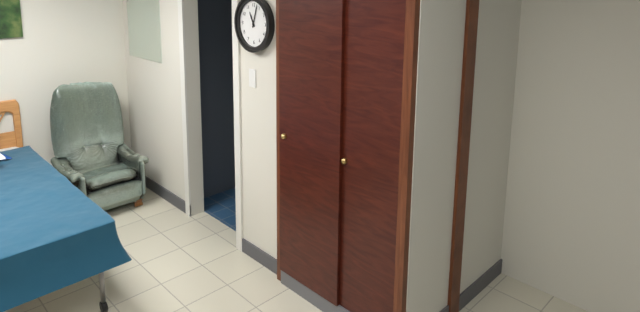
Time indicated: 11:03
